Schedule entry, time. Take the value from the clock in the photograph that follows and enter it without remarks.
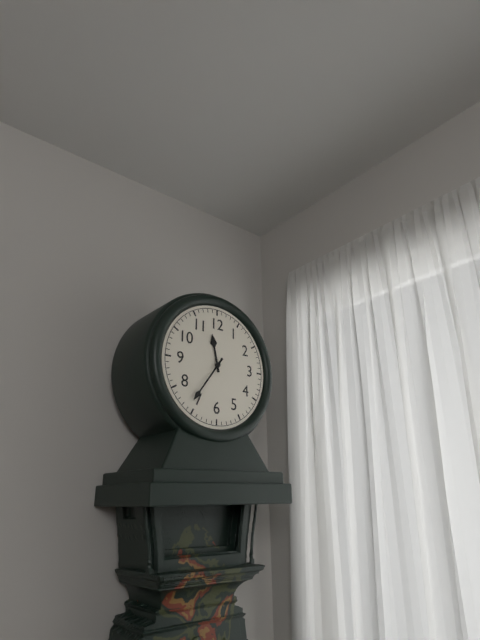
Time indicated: 11:36
